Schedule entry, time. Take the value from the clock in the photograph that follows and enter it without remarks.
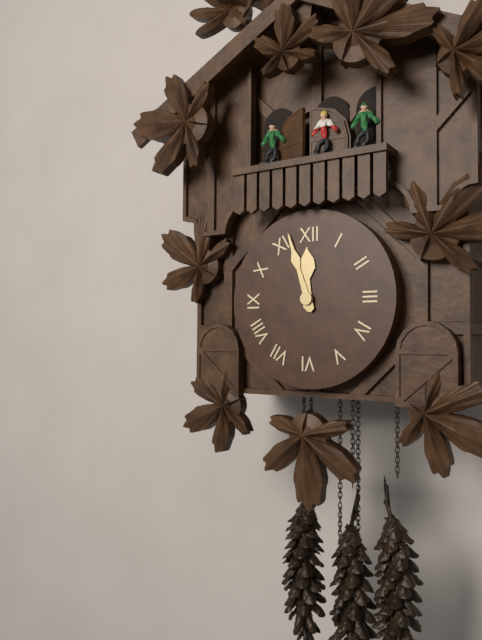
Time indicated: 11:57
